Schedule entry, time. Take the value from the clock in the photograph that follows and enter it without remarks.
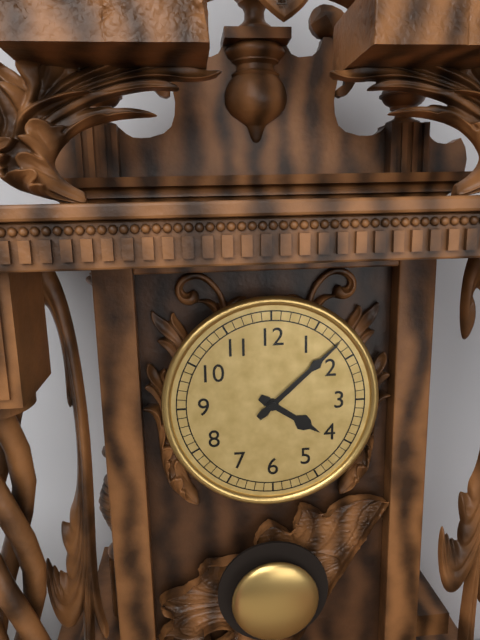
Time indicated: 4:08
